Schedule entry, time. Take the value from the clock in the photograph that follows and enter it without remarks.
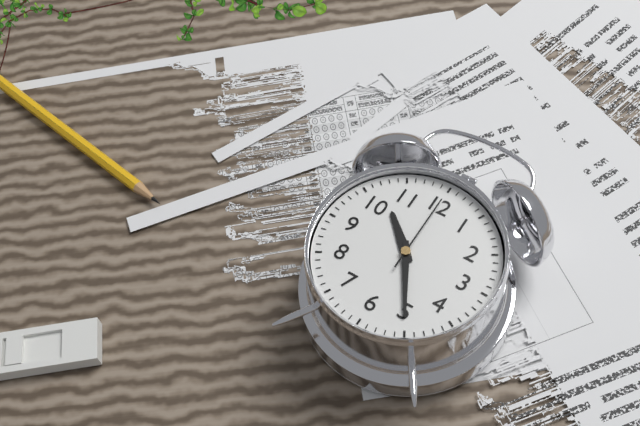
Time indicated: 10:25:00
